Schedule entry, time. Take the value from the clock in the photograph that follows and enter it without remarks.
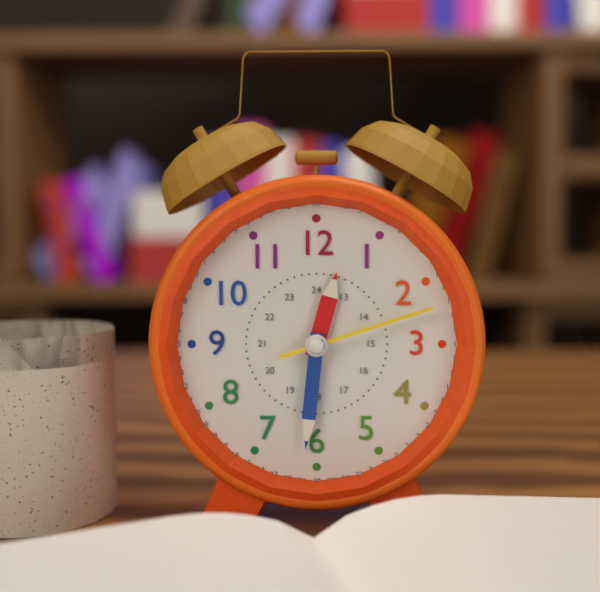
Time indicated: 12:31:12
